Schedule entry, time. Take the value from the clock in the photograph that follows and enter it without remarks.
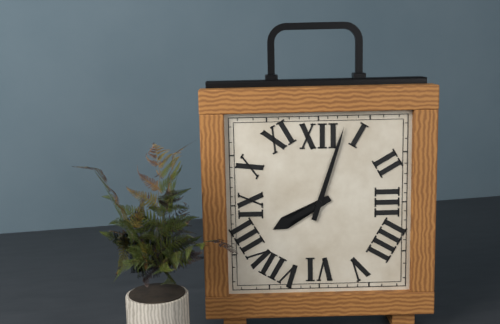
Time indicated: 8:03
